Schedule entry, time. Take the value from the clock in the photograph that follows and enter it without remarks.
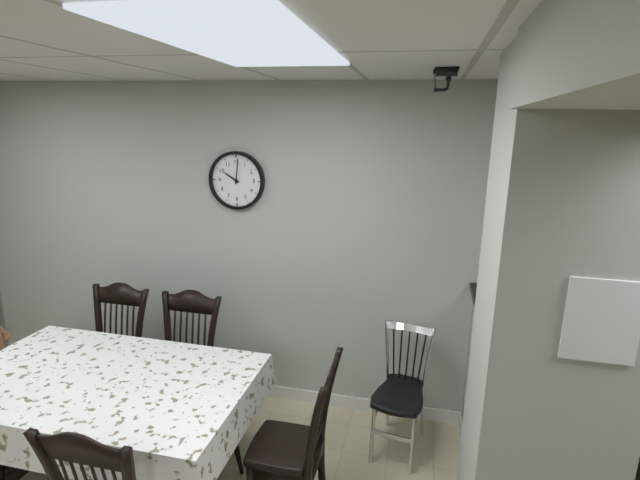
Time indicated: 10:01
